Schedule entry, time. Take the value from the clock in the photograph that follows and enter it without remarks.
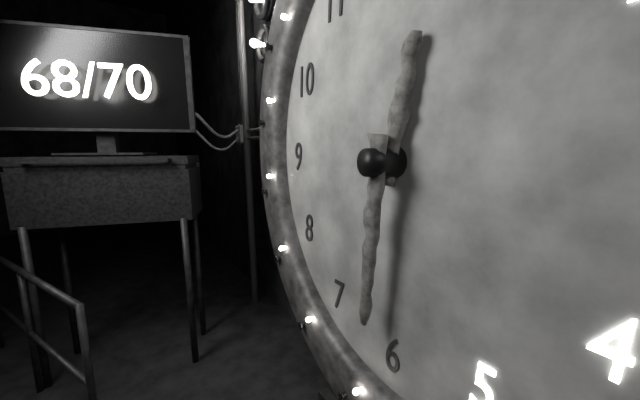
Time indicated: 12:31
